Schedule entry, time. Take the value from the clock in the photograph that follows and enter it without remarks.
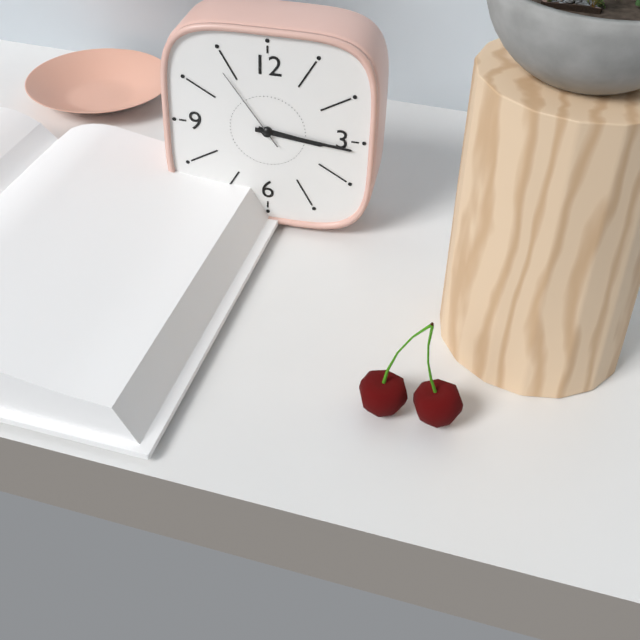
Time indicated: 3:16:54
